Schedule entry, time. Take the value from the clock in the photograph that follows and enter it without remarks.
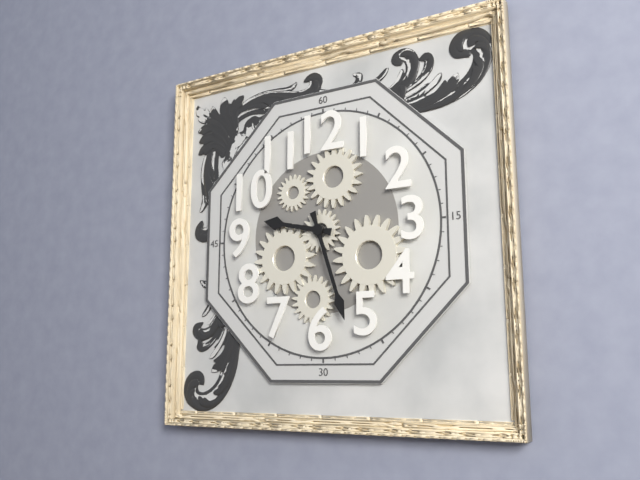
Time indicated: 9:27
